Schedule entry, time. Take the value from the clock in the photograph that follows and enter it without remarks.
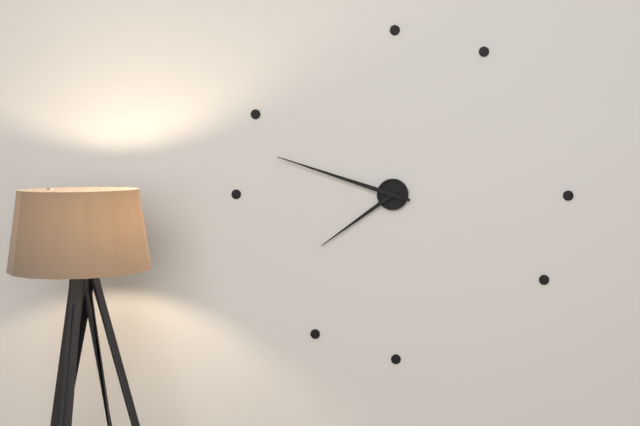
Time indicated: 7:48
